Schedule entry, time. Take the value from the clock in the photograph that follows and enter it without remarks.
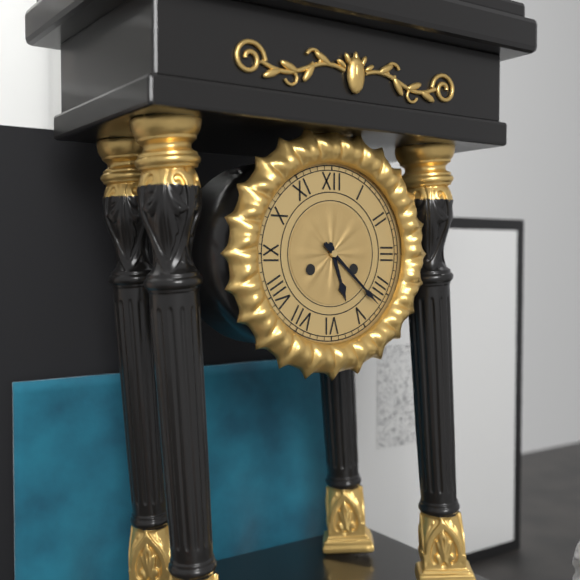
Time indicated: 5:22
